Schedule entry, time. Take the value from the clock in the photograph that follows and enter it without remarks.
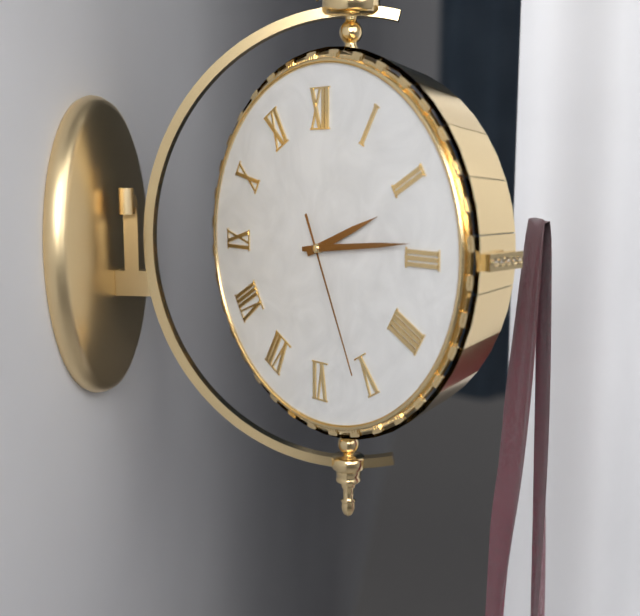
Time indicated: 2:14:26
